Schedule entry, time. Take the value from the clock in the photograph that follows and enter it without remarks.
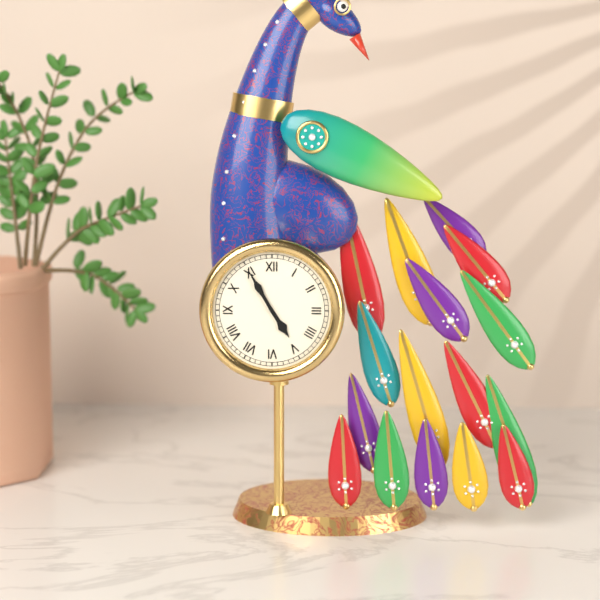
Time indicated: 4:55
